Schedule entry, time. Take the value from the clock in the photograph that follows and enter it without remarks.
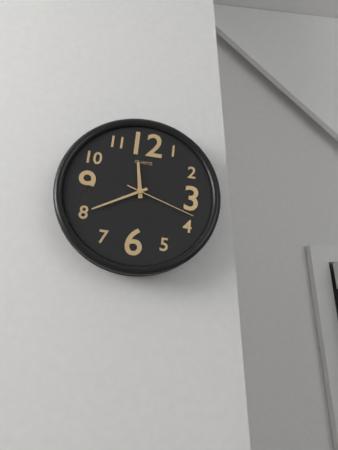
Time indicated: 11:40:18
